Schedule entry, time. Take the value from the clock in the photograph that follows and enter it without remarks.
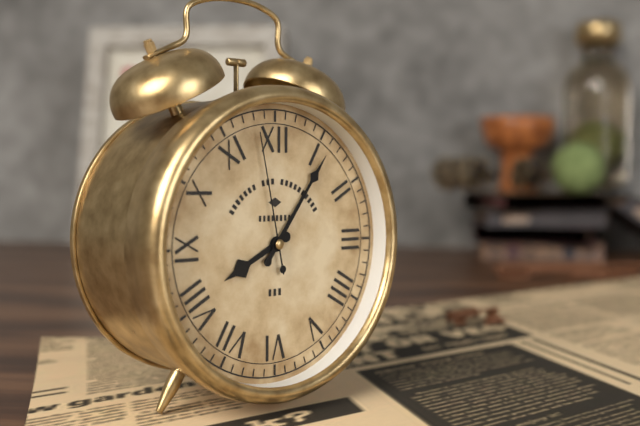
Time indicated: 8:06:58
